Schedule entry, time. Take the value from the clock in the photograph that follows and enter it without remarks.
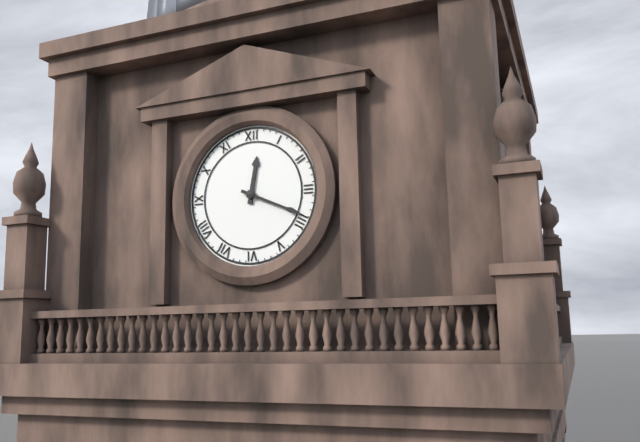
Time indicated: 12:19
